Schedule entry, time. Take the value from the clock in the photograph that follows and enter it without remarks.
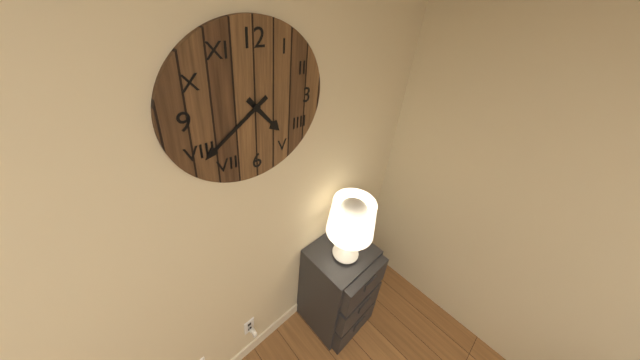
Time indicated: 4:39
